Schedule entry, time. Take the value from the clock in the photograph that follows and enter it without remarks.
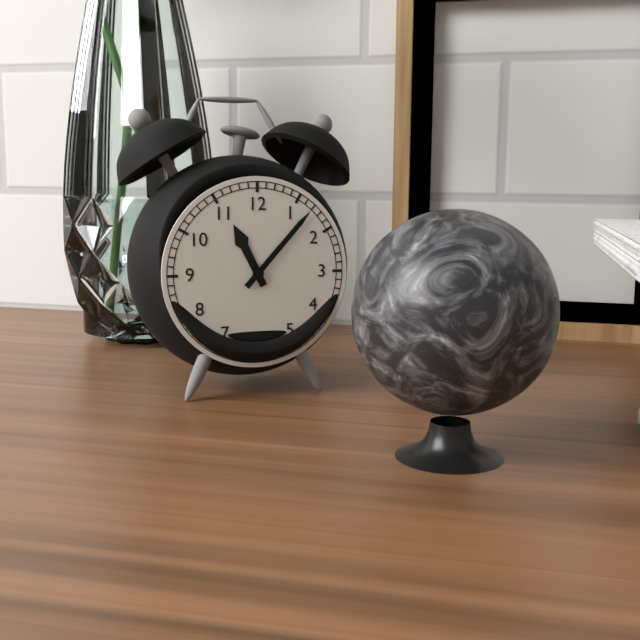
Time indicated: 11:07
